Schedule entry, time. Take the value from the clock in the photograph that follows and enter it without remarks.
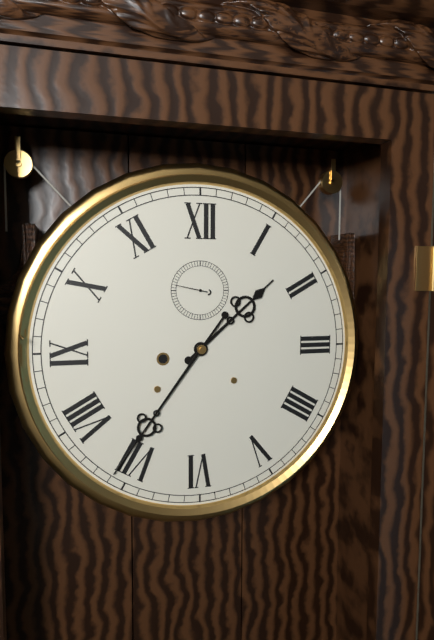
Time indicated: 1:36
